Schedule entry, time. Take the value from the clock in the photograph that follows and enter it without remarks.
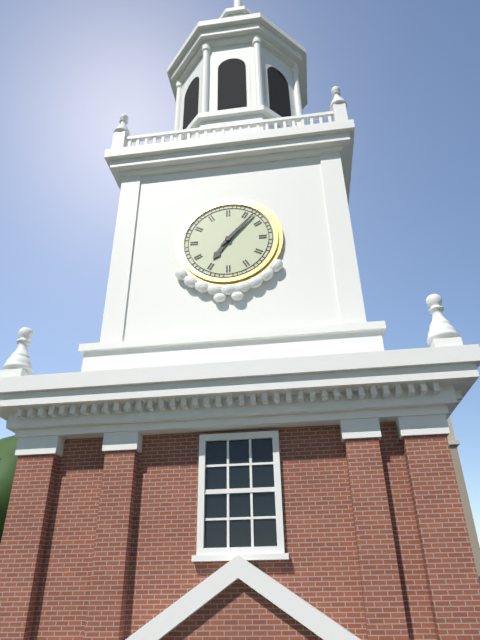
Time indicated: 7:07
